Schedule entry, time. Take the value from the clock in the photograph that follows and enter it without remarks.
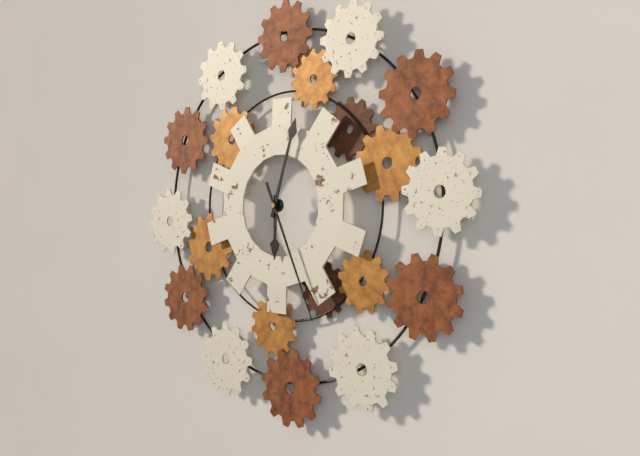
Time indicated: 6:03:26
